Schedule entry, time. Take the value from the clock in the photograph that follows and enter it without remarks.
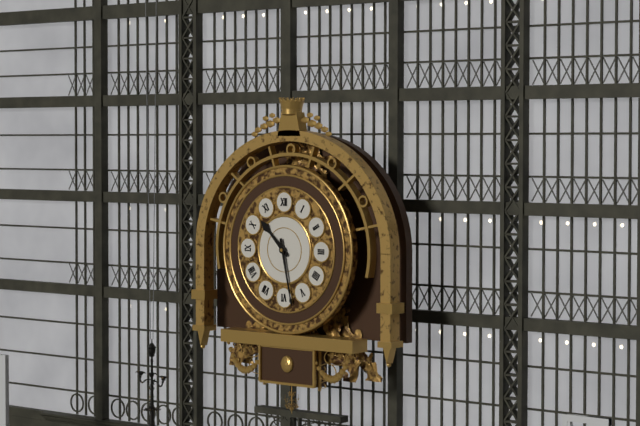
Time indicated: 10:28
